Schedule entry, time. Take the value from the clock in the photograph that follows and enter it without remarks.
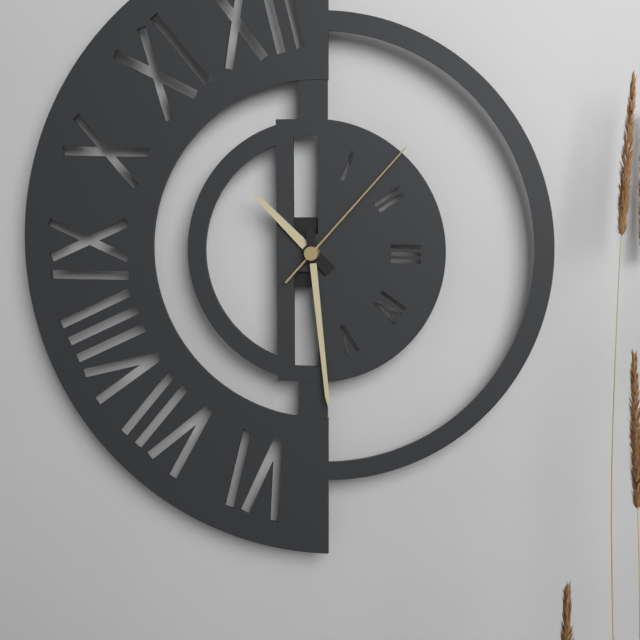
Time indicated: 10:29:07
